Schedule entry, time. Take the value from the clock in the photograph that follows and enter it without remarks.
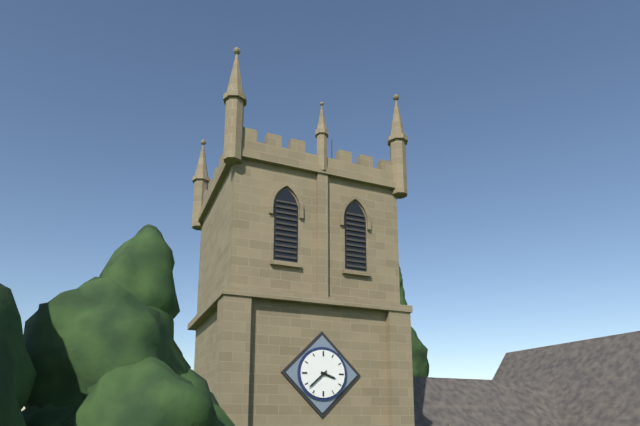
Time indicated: 3:38
